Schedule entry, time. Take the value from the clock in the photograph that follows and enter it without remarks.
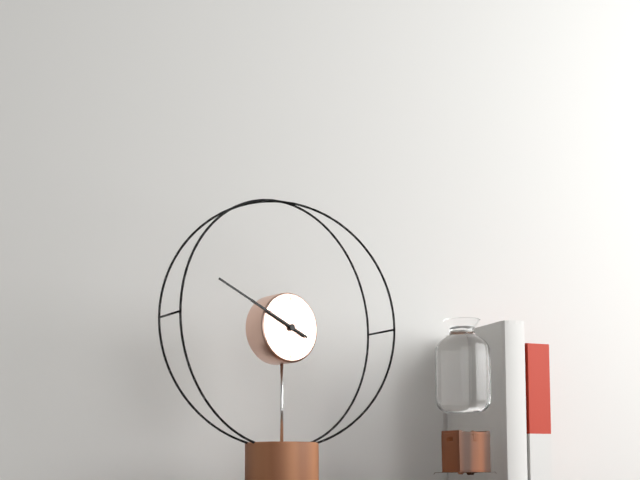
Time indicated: 9:49
